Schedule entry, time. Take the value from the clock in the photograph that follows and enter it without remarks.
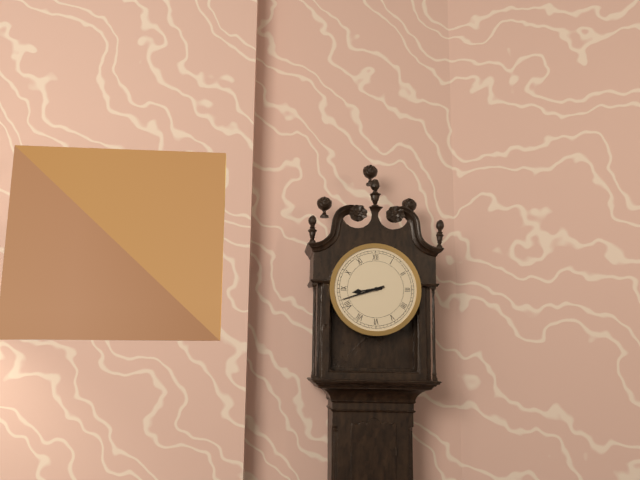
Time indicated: 8:42
